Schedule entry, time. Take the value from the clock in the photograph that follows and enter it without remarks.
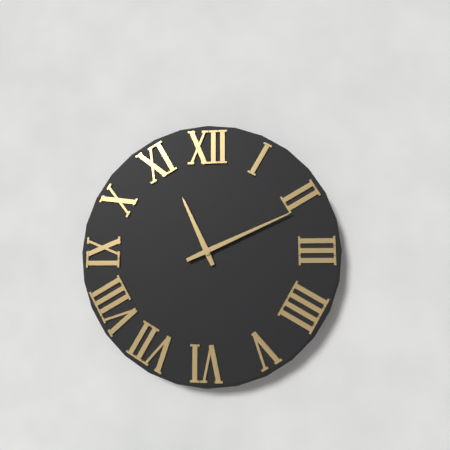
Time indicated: 11:11
